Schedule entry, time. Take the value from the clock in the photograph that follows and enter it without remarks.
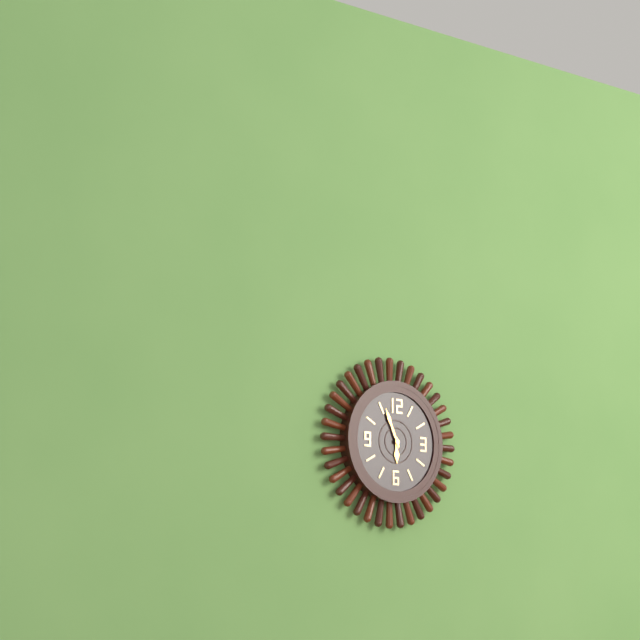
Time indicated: 5:56
